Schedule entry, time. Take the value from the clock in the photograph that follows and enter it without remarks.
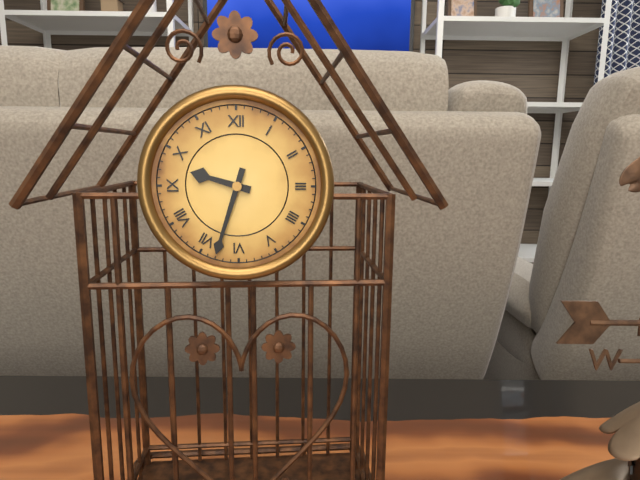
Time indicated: 9:33
